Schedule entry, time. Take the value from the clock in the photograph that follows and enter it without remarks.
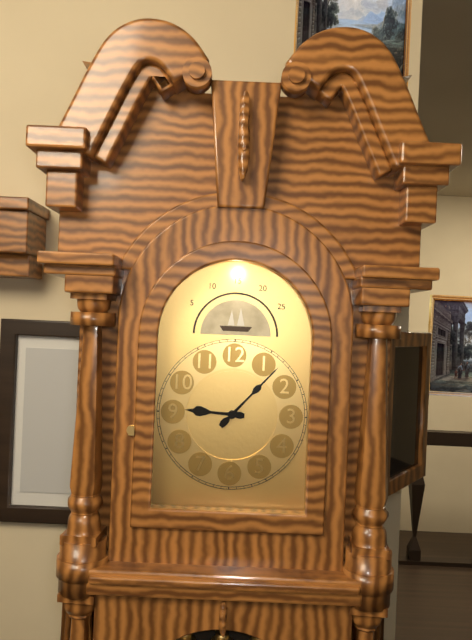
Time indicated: 9:07
